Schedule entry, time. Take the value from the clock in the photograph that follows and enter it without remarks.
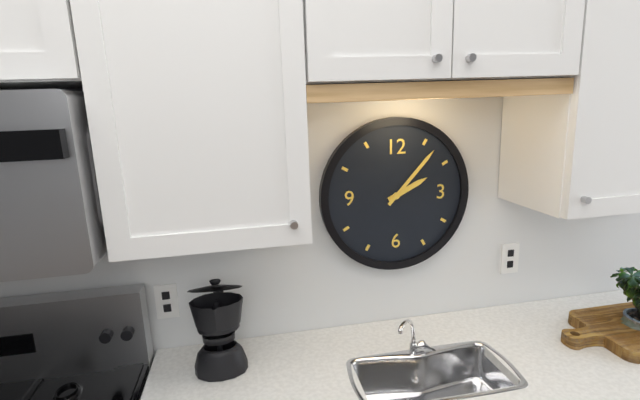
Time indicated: 2:07
